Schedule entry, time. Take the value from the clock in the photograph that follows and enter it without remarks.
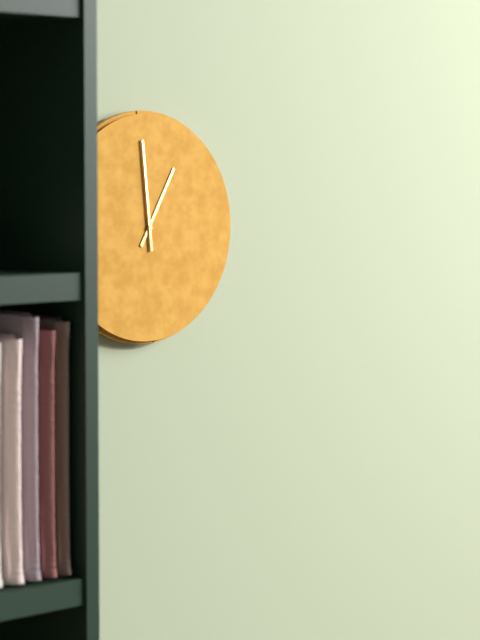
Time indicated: 12:59
